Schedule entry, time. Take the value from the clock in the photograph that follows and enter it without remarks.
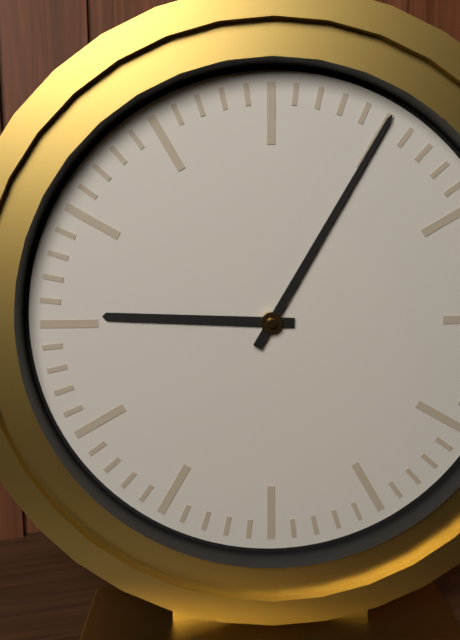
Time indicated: 9:05
